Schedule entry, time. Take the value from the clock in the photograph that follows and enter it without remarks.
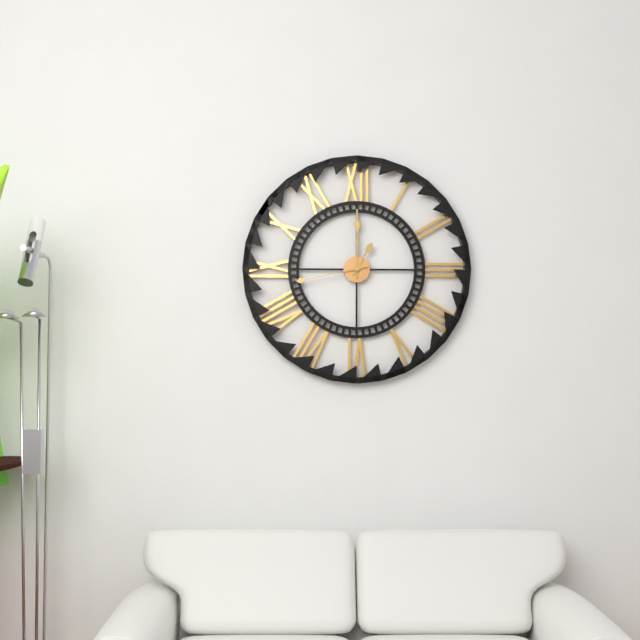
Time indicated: 1:00:43
